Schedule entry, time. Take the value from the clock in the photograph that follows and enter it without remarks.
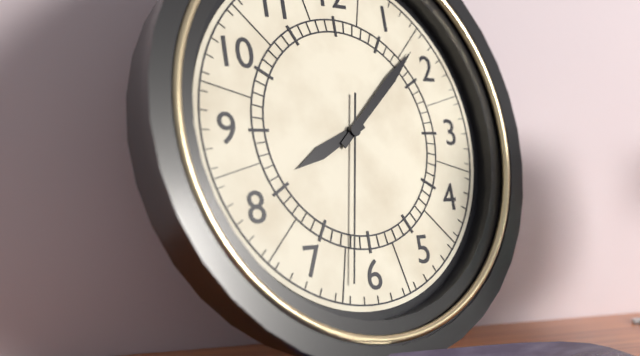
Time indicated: 8:08:32
